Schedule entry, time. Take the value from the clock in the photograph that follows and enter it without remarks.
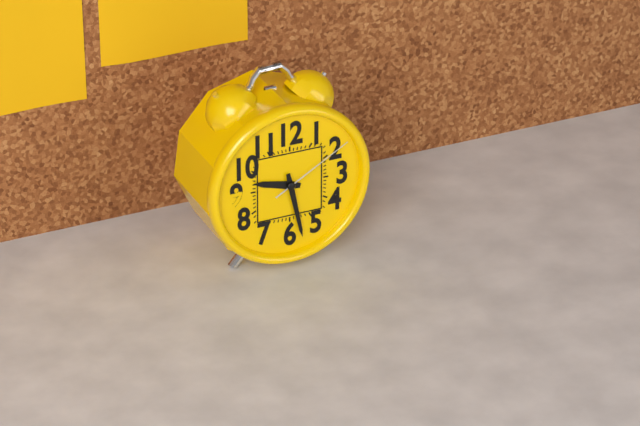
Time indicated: 9:28:10
